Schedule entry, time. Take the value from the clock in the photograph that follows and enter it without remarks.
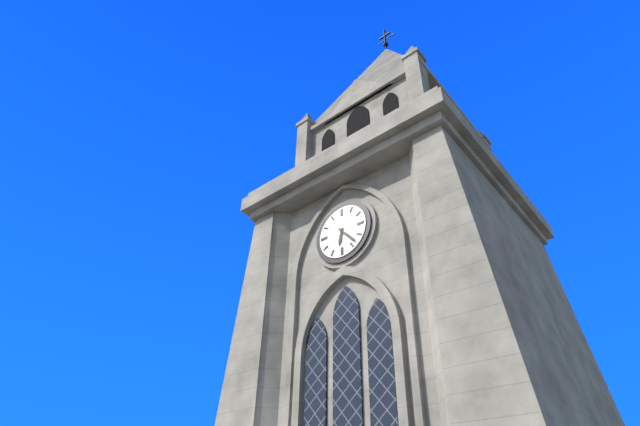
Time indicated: 6:23
